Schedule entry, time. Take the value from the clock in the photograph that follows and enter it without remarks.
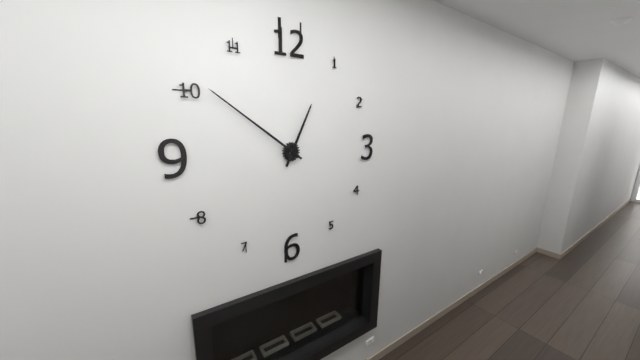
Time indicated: 12:51
